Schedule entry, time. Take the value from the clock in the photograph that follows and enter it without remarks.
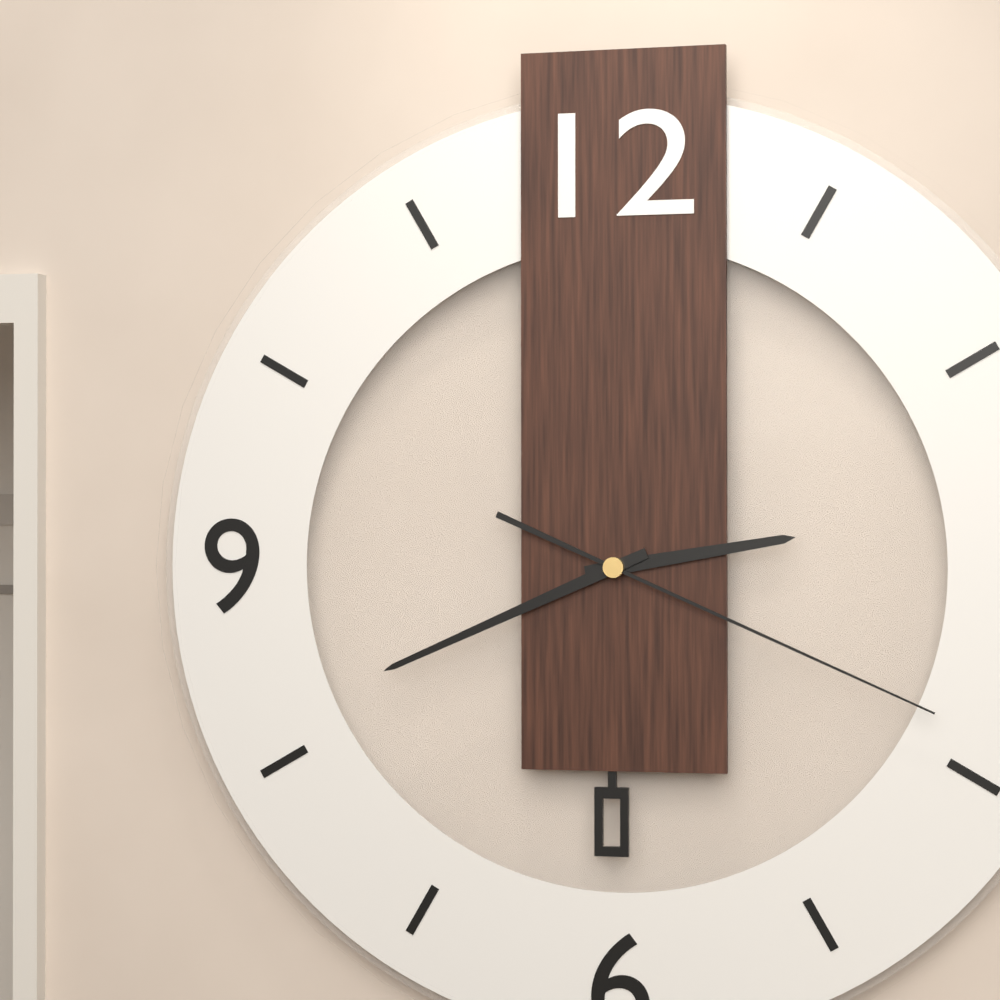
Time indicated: 2:41:19
